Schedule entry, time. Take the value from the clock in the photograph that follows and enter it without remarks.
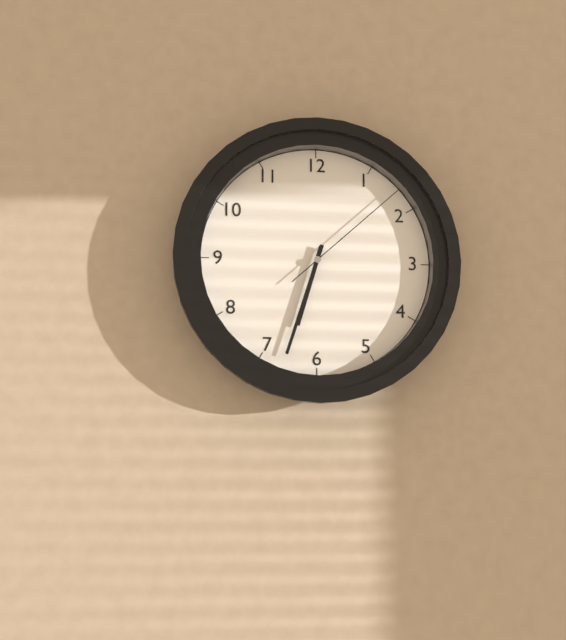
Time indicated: 6:33:08
